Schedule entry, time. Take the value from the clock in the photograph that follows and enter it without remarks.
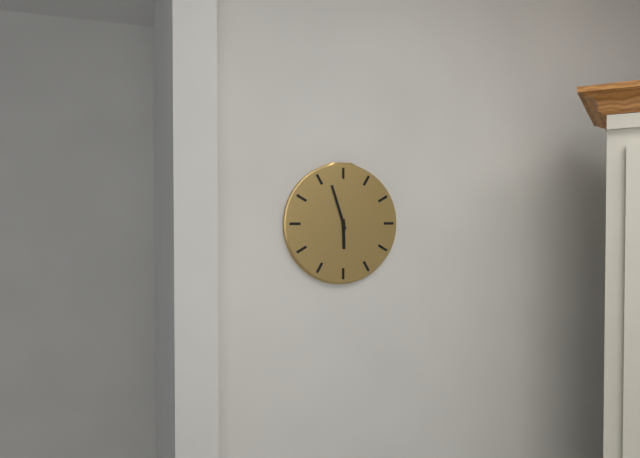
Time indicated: 5:57
